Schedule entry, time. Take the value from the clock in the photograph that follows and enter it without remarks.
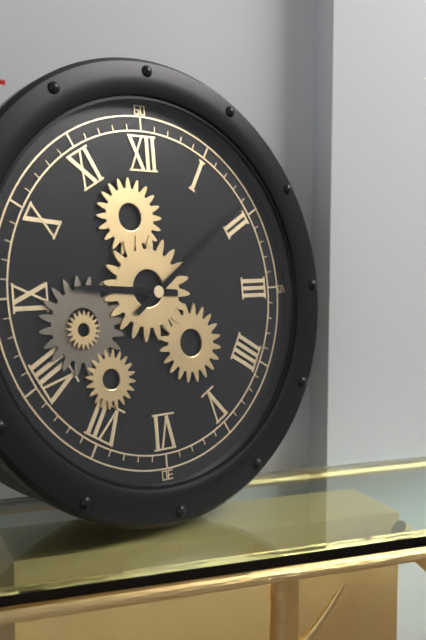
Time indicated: 9:09
